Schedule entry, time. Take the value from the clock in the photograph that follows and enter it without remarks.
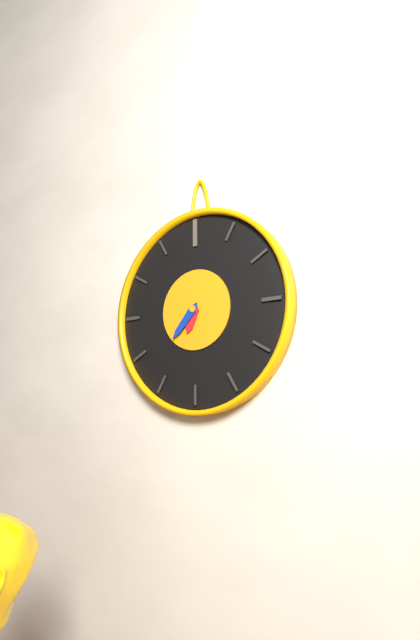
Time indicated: 6:37
